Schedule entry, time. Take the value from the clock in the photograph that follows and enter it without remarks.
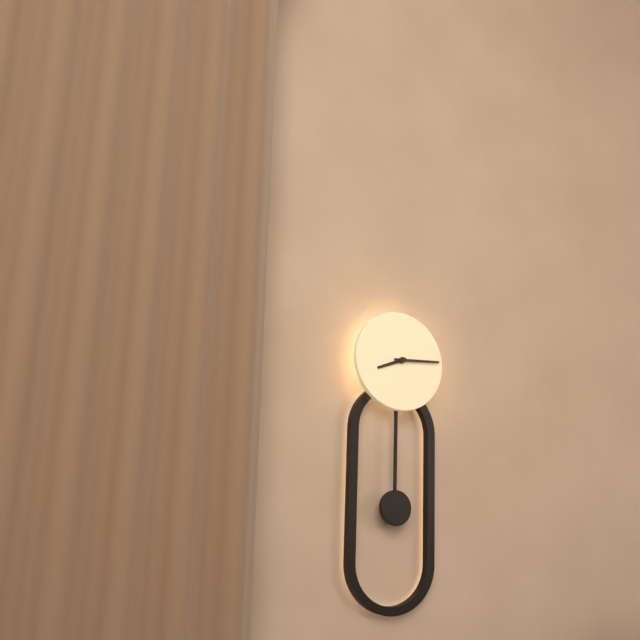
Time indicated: 8:14
